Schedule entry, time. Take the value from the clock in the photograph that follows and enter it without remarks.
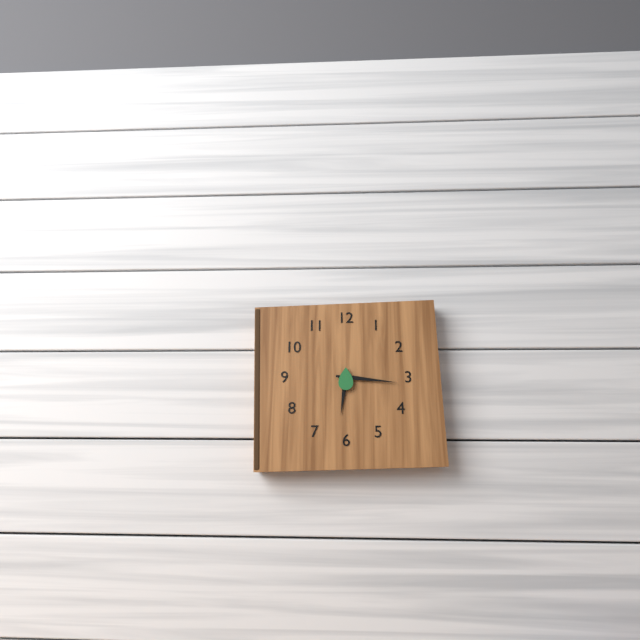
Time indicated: 6:16
